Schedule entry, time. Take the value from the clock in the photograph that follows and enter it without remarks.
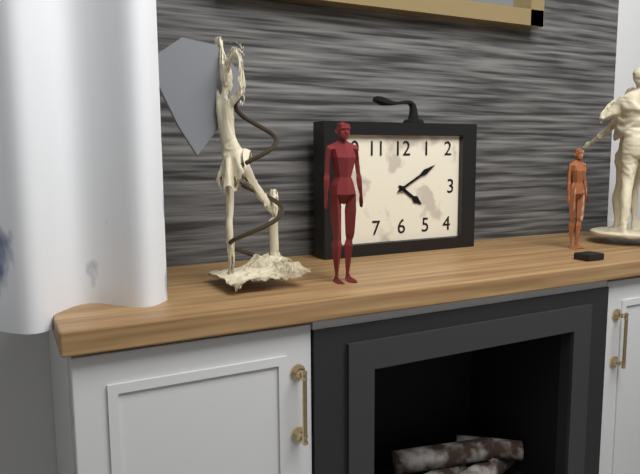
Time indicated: 4:10
